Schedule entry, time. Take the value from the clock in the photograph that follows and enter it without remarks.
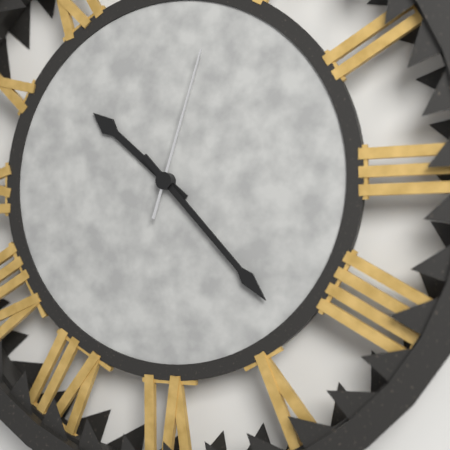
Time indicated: 10:23:03
